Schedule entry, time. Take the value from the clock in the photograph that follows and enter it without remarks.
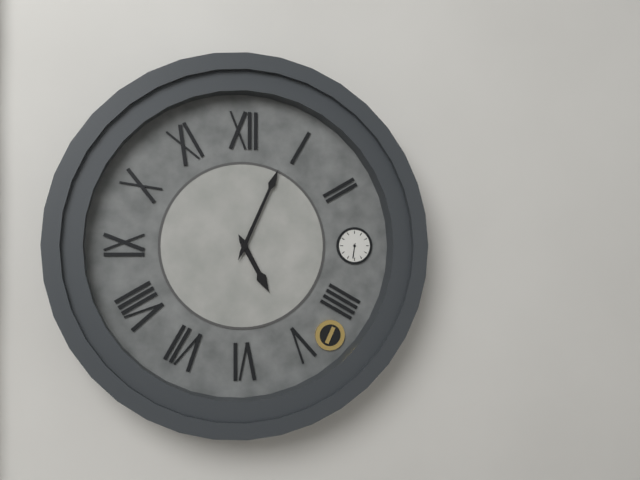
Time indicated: 5:04
